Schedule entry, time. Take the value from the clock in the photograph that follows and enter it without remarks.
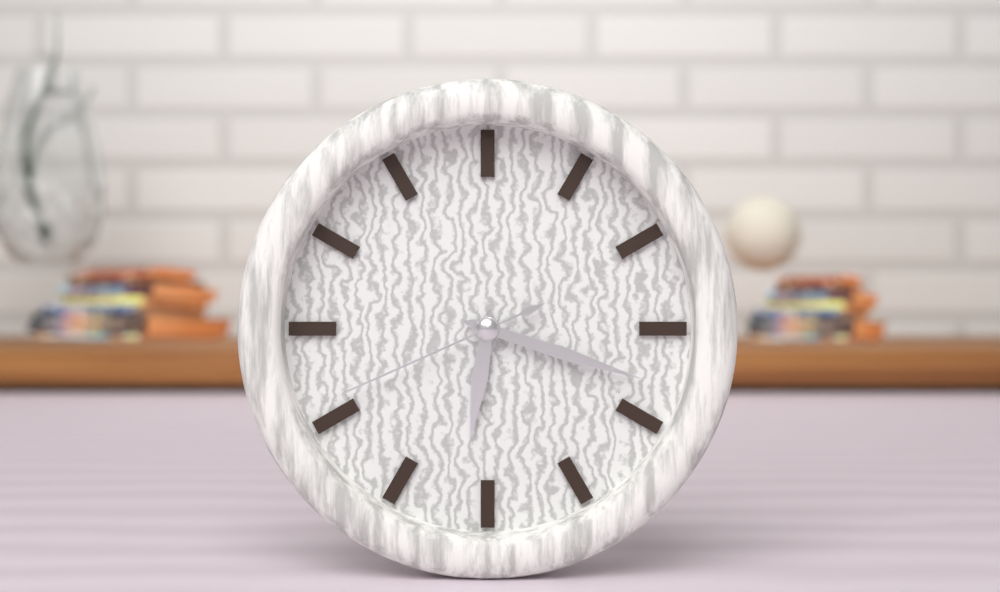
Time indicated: 6:18:41
